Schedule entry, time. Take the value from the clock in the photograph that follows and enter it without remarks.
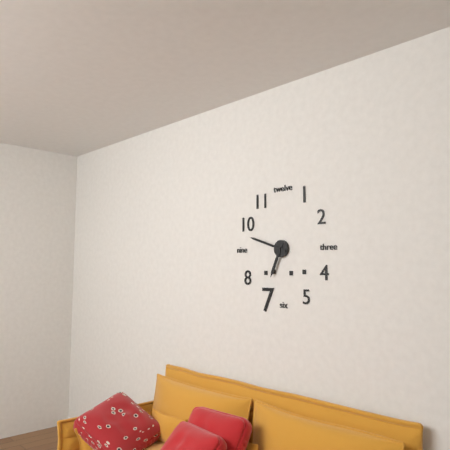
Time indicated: 6:48
